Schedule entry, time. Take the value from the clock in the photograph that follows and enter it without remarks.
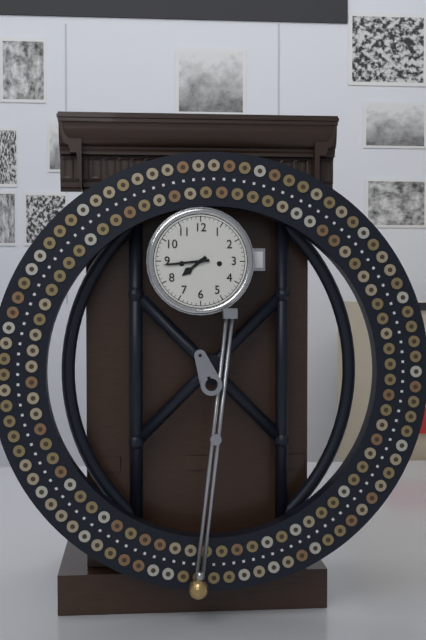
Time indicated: 7:44
